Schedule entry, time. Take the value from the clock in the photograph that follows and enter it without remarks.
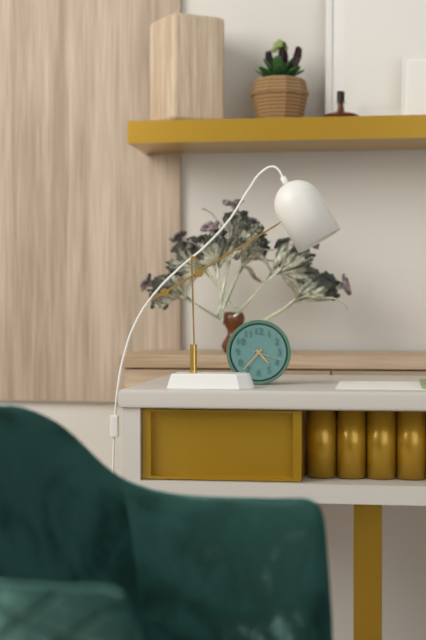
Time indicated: 4:37
